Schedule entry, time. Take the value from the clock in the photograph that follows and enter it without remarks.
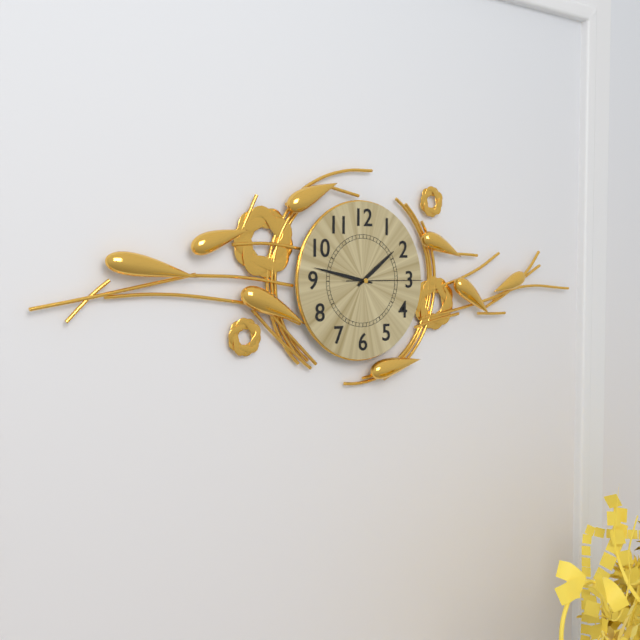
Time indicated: 1:47:15
